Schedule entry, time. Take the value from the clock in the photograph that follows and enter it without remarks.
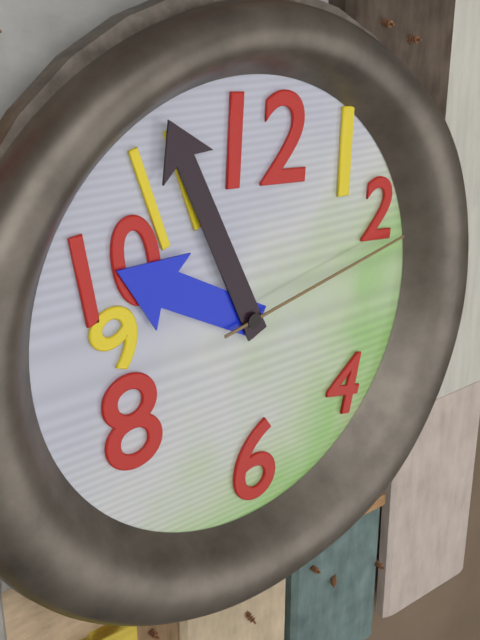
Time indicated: 9:56:13
